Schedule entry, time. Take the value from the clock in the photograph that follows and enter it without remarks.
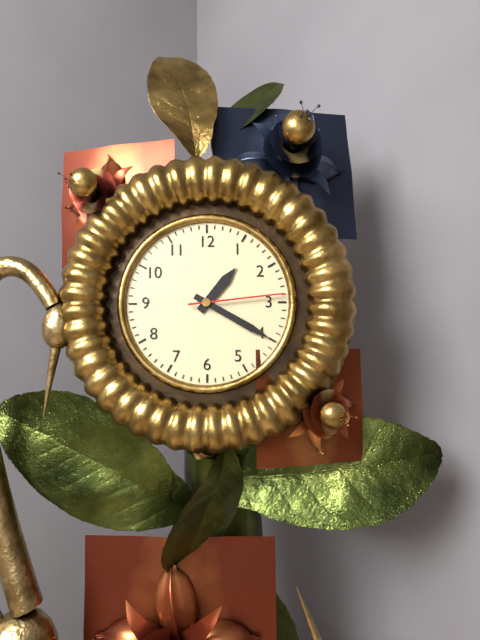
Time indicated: 1:20:14
